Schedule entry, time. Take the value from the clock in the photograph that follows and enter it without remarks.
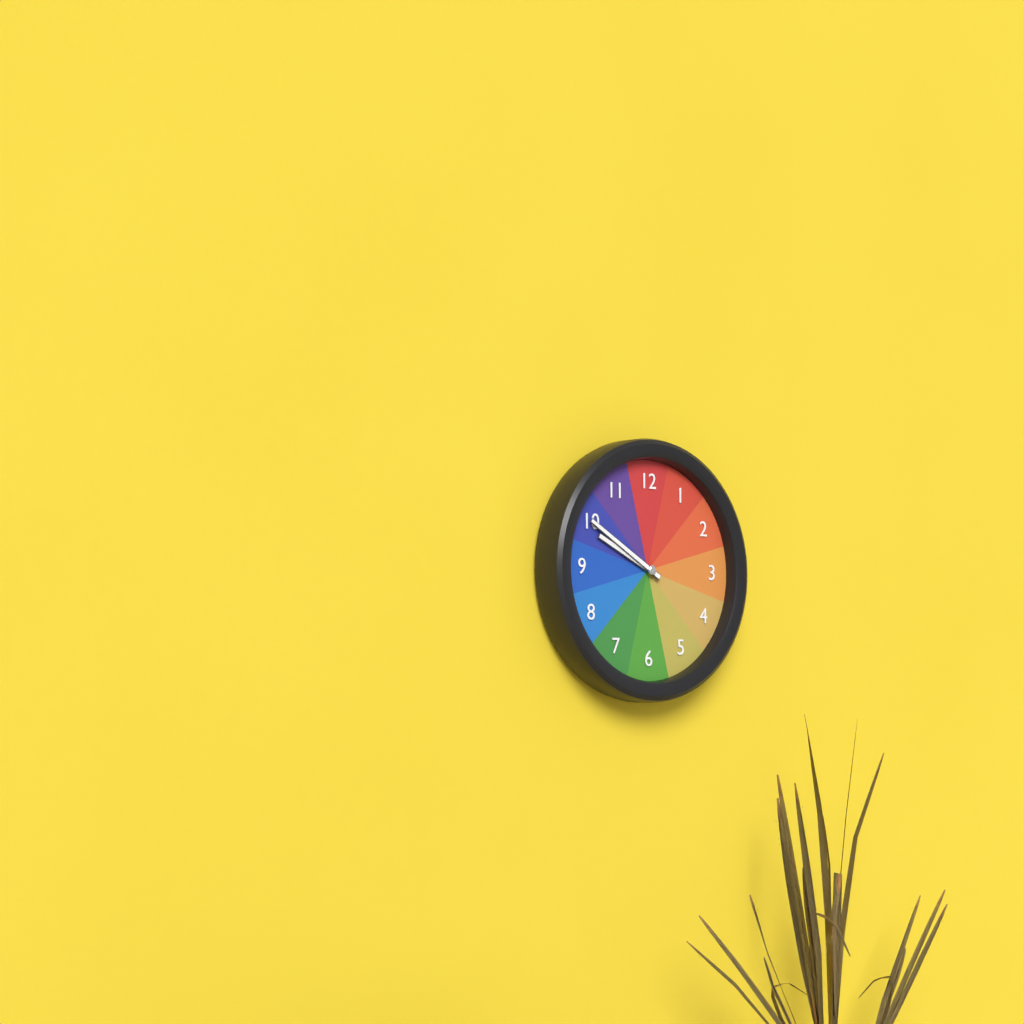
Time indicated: 9:50
